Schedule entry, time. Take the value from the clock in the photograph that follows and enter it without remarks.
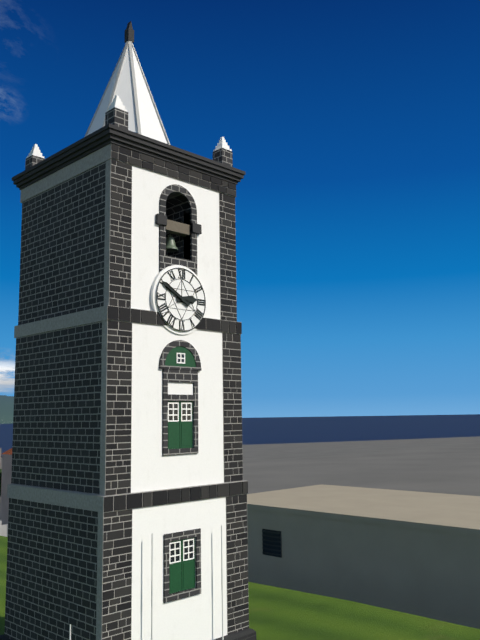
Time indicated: 2:50
